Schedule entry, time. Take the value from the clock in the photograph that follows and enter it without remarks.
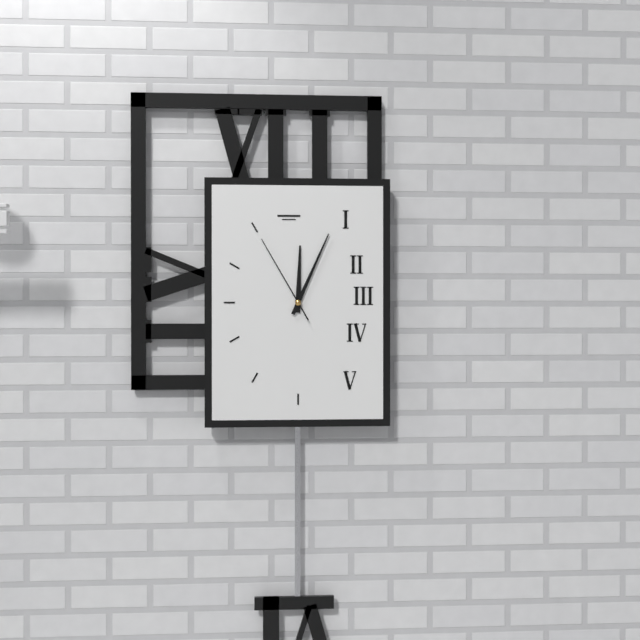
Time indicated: 12:04:55
